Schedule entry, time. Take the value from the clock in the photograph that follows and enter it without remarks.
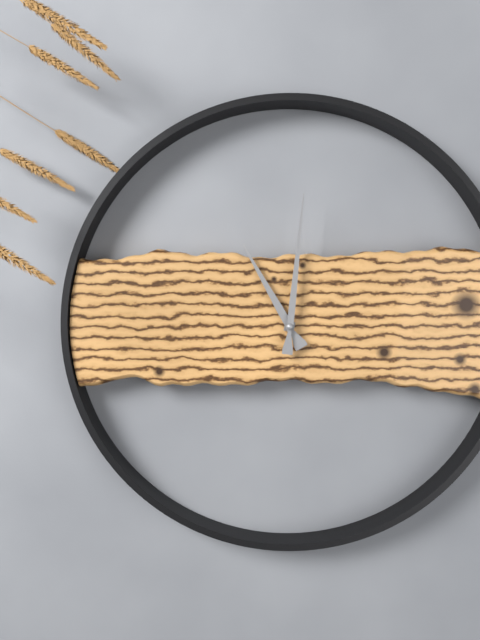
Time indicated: 11:01
